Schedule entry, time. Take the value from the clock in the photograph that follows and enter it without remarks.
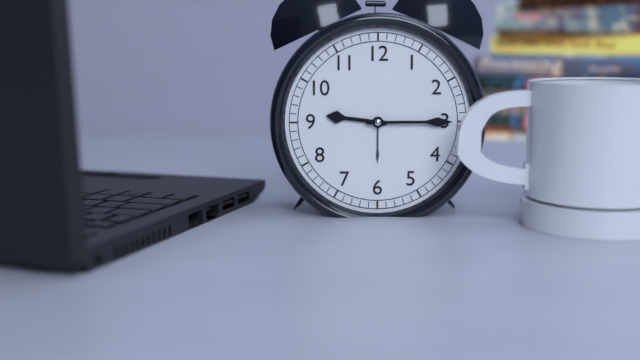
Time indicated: 9:15
